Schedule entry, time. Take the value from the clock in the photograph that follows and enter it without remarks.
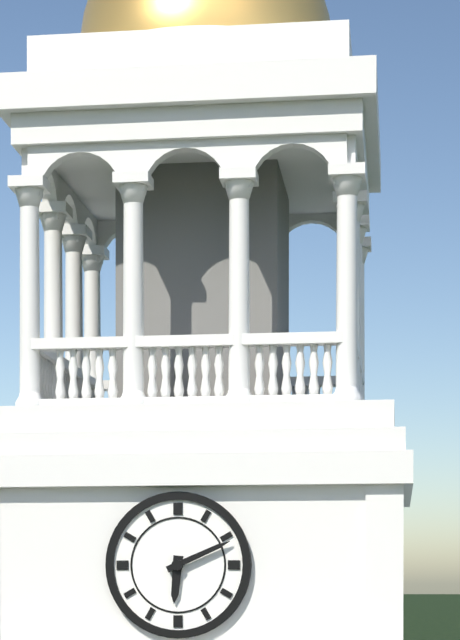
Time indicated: 6:11
